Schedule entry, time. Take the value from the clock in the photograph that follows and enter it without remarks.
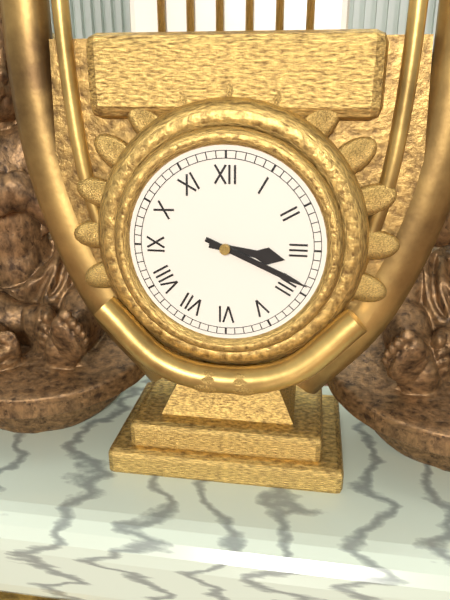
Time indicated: 3:19
